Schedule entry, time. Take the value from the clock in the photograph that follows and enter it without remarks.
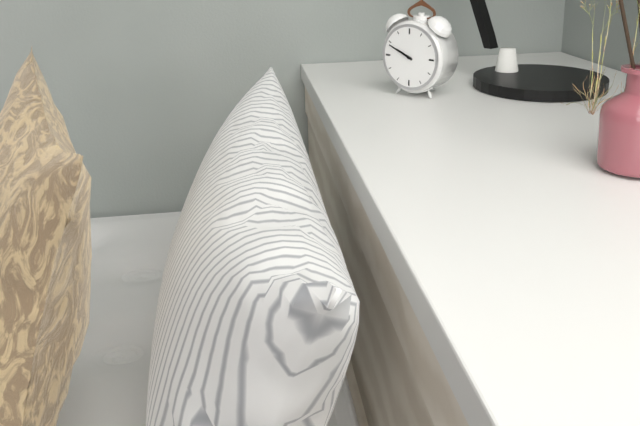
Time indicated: 9:49
